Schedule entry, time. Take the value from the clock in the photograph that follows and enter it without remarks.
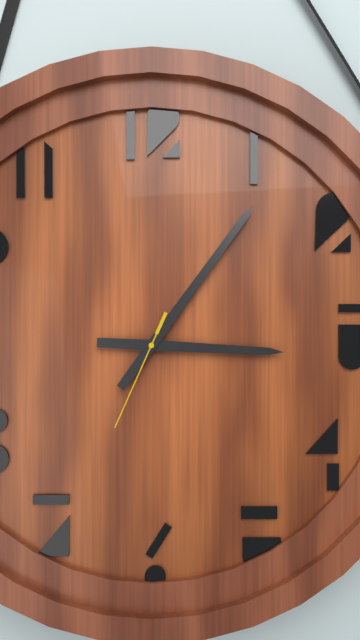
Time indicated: 3:06:34
